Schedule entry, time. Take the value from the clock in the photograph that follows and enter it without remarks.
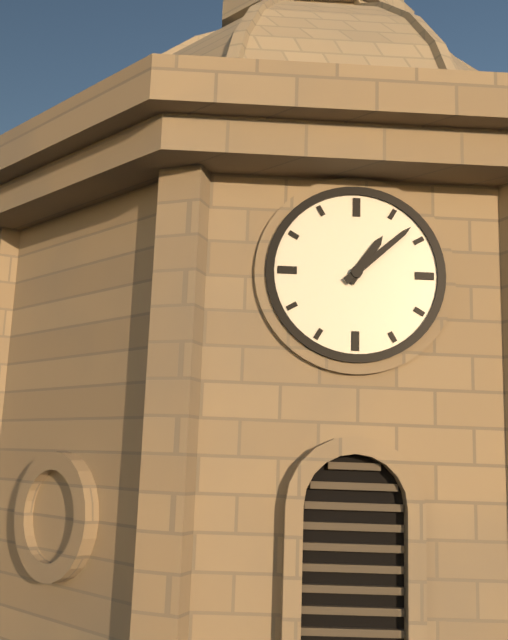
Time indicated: 1:08
